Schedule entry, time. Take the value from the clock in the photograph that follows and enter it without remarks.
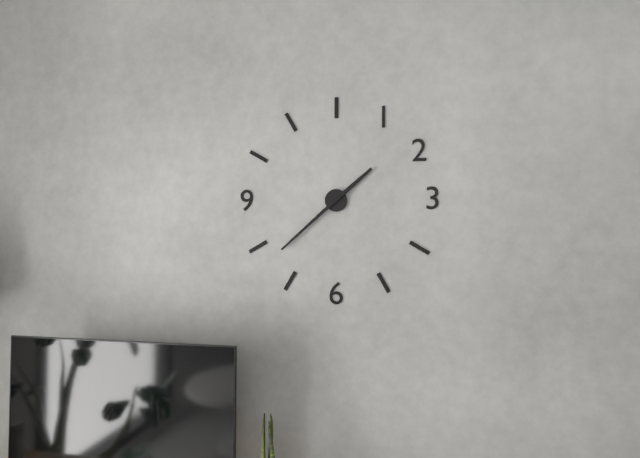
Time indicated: 1:38
